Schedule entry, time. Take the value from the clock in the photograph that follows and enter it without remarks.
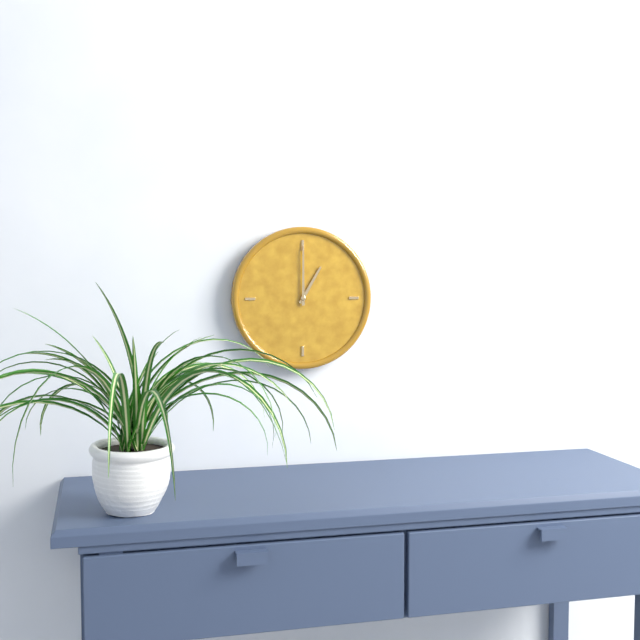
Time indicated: 1:00
